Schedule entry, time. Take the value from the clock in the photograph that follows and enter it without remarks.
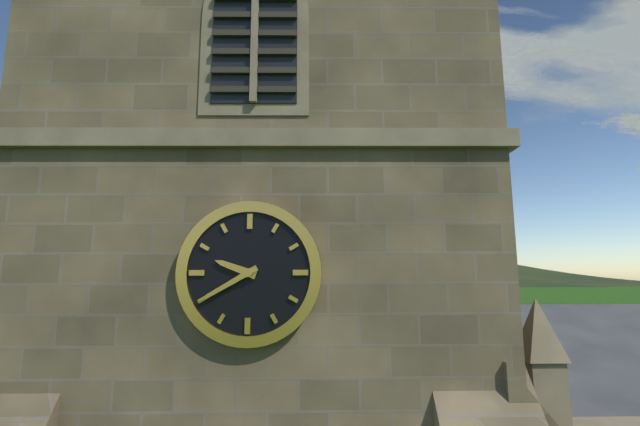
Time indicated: 9:40
